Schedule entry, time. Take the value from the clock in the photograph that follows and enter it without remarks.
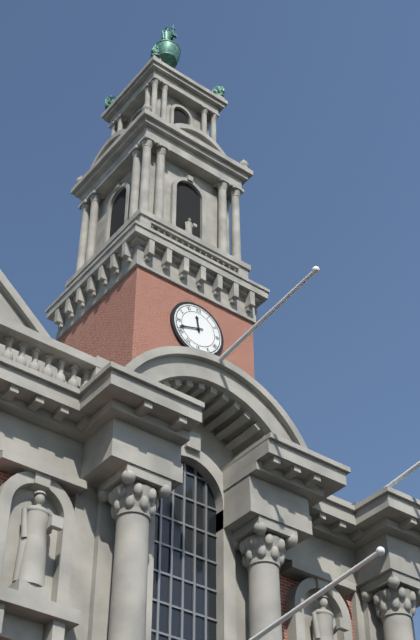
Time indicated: 11:42
